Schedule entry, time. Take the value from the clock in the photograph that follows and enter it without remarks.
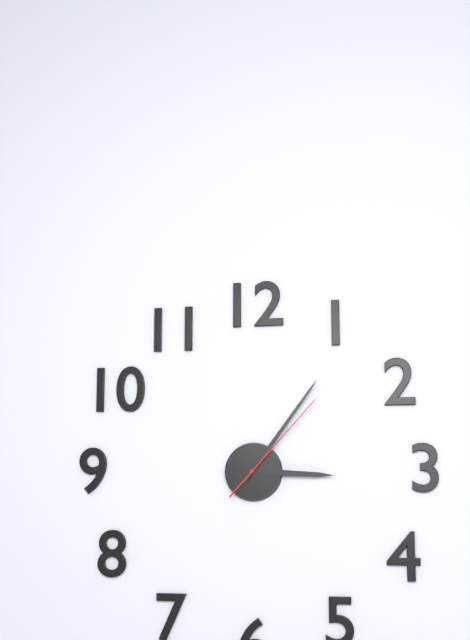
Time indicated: 3:06:07
